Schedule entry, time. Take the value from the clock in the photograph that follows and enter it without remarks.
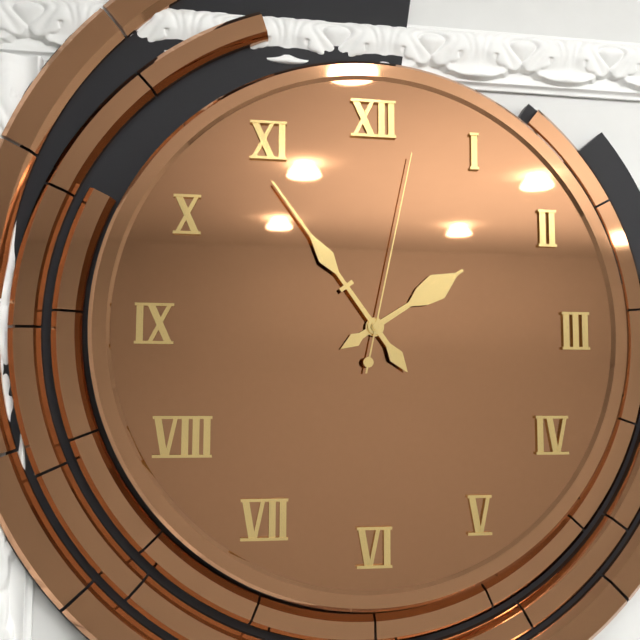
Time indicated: 1:54:02
